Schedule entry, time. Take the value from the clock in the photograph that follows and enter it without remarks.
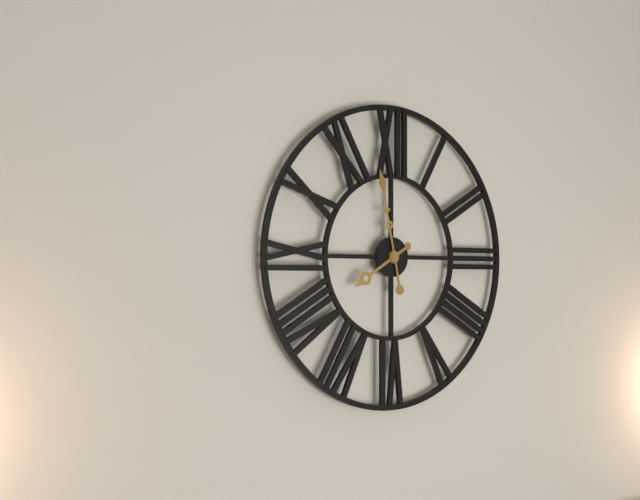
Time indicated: 7:58
